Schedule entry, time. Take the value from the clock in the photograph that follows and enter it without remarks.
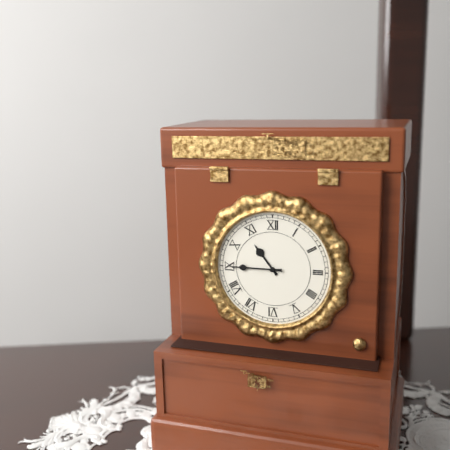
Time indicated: 10:45
